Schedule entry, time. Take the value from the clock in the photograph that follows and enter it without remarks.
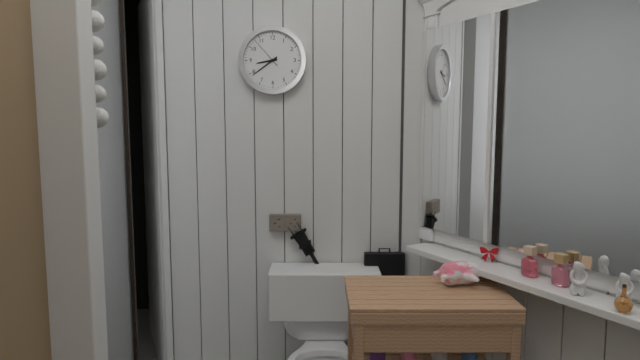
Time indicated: 8:39
